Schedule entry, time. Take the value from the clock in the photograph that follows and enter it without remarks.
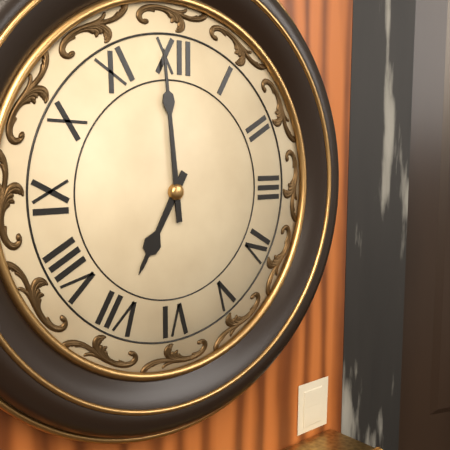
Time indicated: 6:59
